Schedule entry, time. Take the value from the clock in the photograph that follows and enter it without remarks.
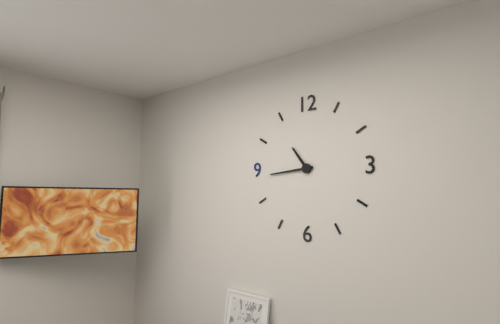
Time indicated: 10:44
